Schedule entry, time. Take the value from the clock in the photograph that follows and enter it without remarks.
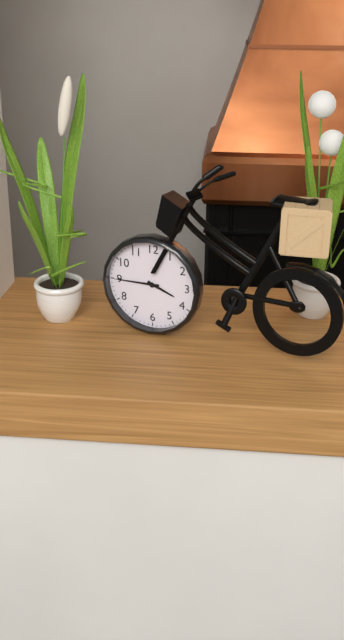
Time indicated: 3:45
